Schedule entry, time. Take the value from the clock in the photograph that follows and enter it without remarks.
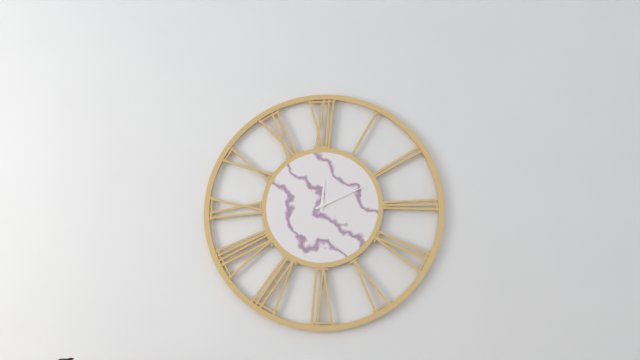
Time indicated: 12:11
